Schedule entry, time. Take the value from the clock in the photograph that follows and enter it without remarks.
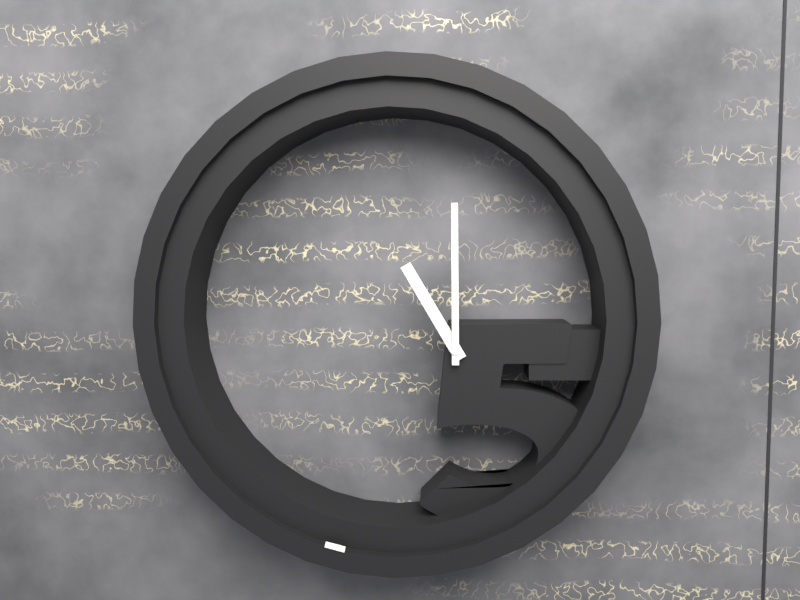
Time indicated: 11:00
